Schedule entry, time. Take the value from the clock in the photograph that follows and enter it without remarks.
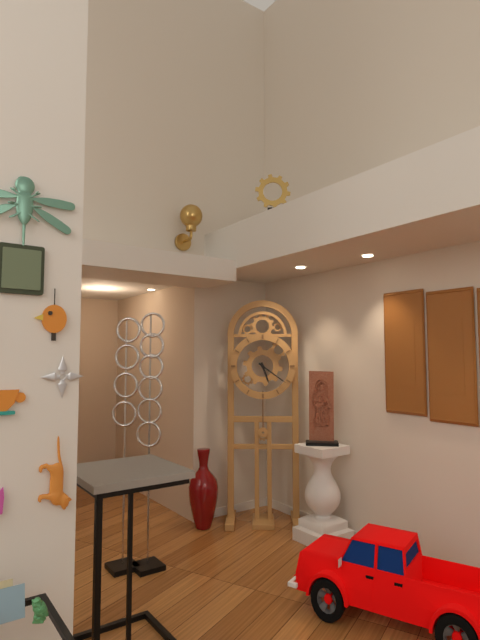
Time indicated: 5:21
